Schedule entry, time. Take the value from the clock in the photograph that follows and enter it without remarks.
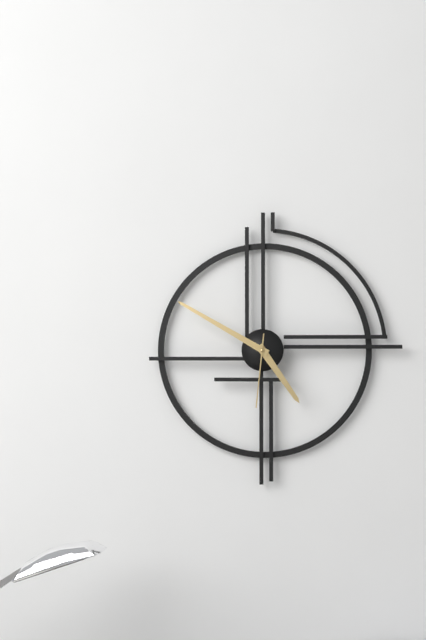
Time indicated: 4:50:31
